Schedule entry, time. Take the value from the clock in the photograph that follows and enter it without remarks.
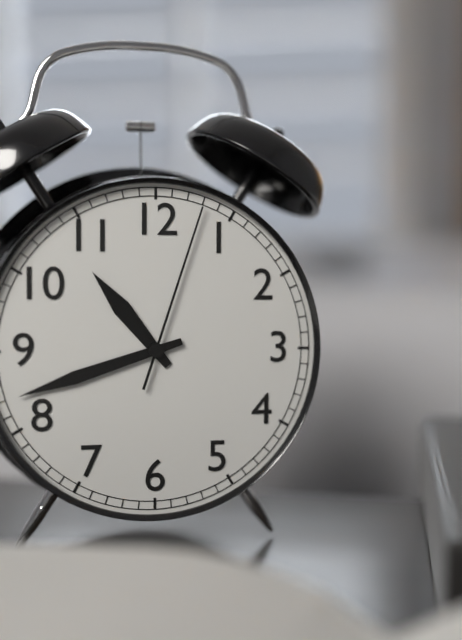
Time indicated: 10:42:03
